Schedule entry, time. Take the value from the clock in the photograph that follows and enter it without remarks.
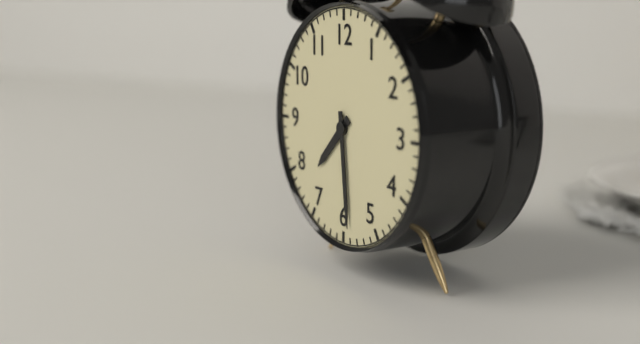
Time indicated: 7:29
